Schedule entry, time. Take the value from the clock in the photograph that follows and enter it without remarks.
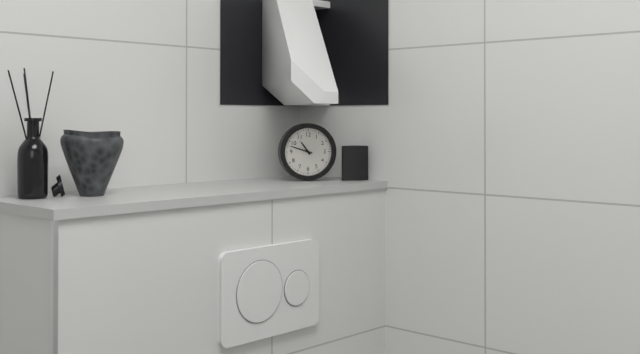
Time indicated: 10:48
